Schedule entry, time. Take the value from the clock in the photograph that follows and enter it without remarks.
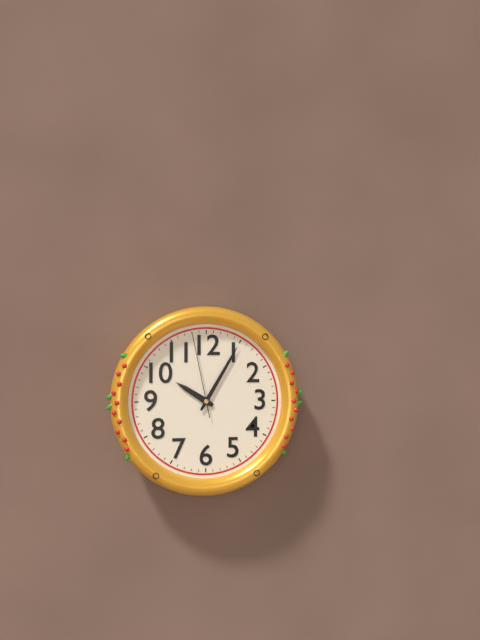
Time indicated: 10:05:58
